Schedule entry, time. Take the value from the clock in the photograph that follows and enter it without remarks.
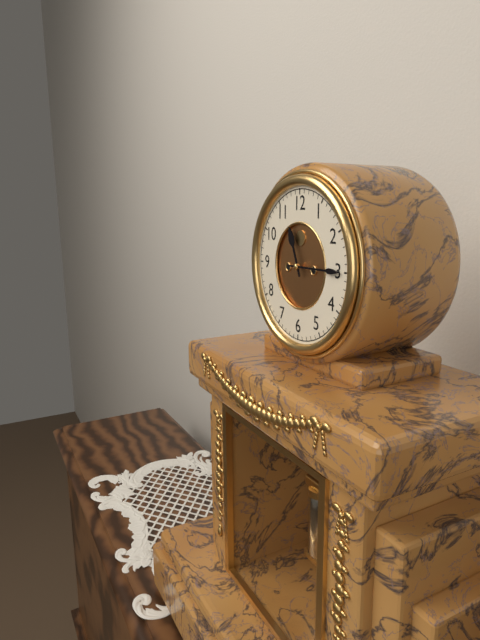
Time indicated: 11:15
